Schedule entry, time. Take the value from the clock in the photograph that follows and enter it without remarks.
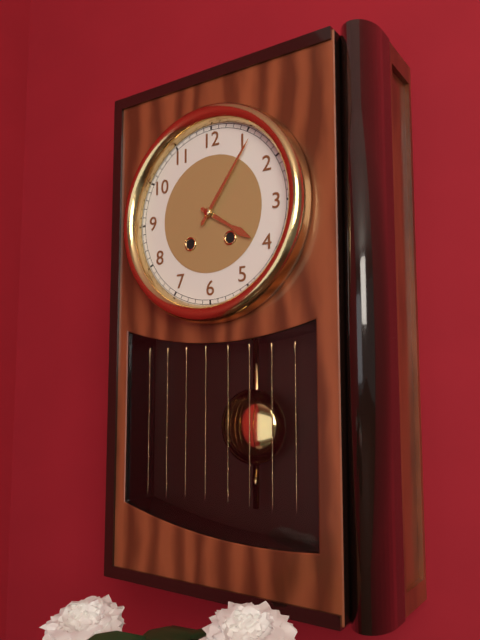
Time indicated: 4:06
